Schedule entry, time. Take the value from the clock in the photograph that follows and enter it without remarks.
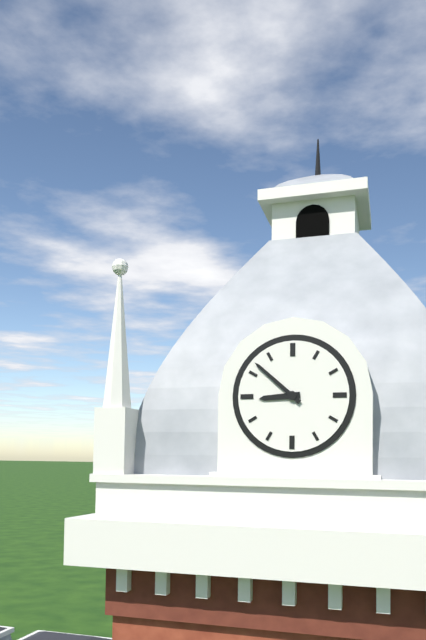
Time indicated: 8:52
